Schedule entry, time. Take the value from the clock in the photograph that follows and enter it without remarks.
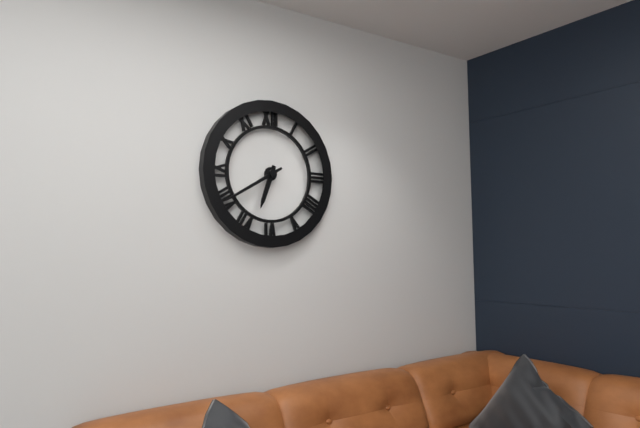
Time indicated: 6:40
